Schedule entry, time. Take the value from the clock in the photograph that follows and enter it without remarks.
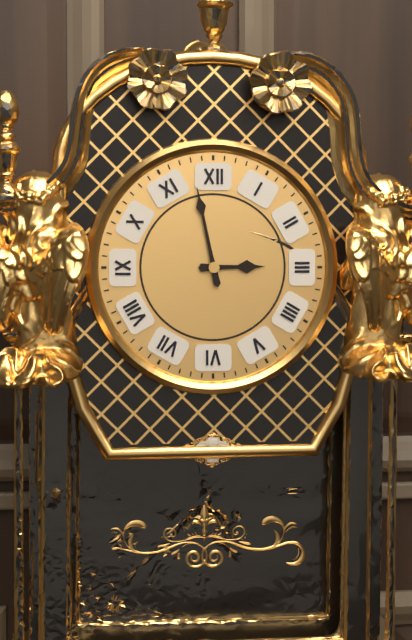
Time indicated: 2:58
